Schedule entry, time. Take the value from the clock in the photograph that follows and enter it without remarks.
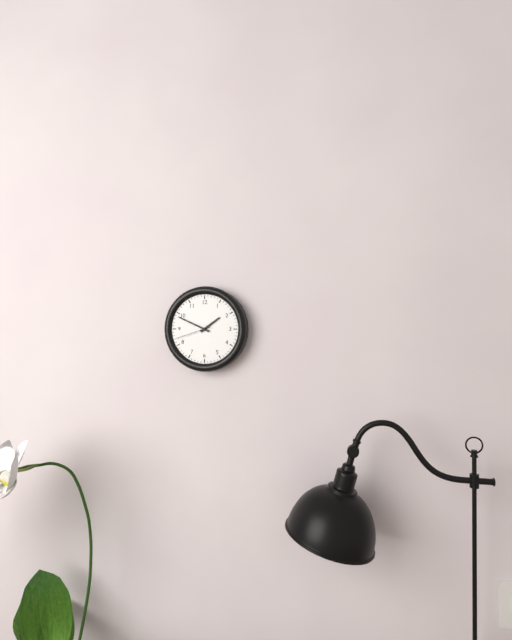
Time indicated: 1:49
